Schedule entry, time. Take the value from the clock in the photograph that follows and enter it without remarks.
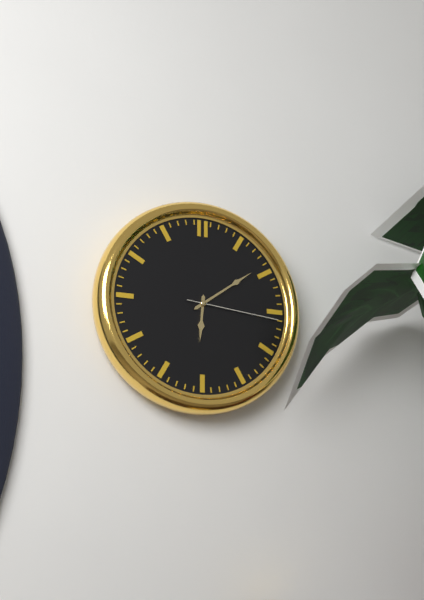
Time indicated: 6:09:16
